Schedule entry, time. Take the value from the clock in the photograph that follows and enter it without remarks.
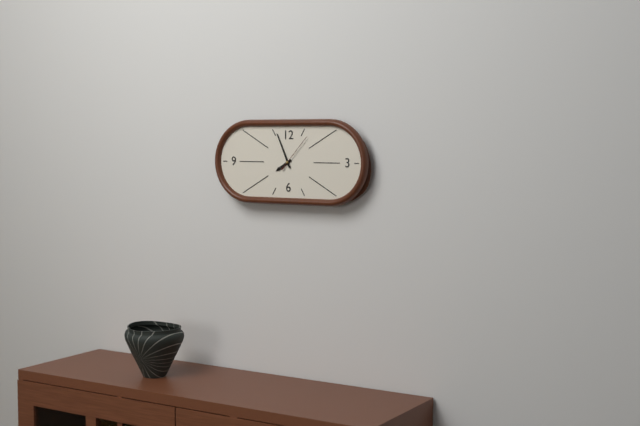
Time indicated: 7:56
